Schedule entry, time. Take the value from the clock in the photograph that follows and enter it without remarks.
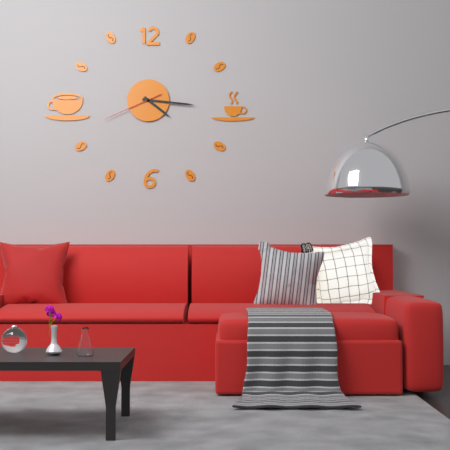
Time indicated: 4:16:41
